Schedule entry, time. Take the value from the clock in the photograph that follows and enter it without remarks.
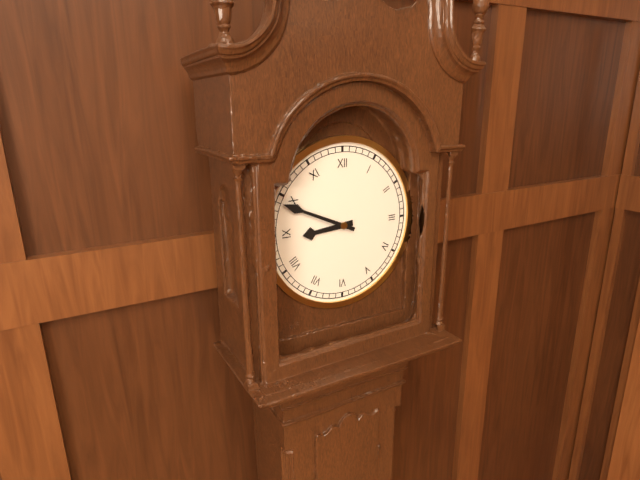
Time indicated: 8:49
